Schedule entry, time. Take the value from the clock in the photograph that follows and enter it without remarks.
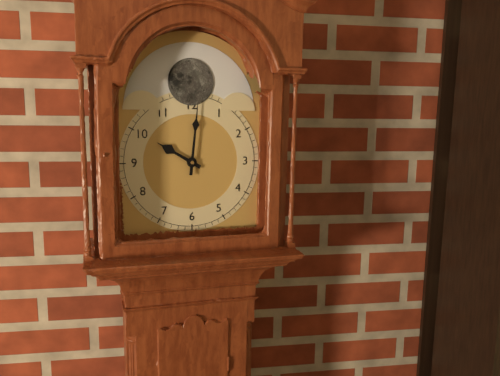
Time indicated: 10:01
